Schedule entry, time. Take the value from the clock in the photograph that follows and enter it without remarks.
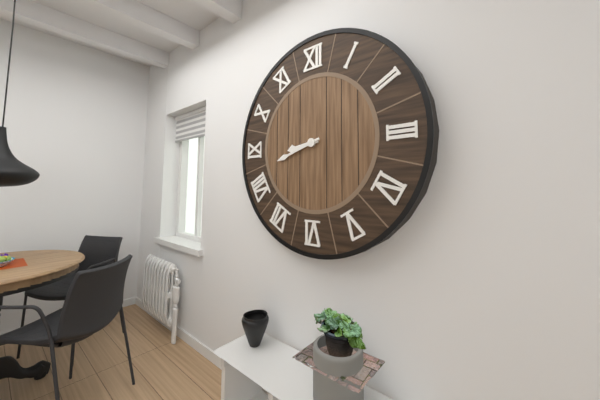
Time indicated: 8:42
